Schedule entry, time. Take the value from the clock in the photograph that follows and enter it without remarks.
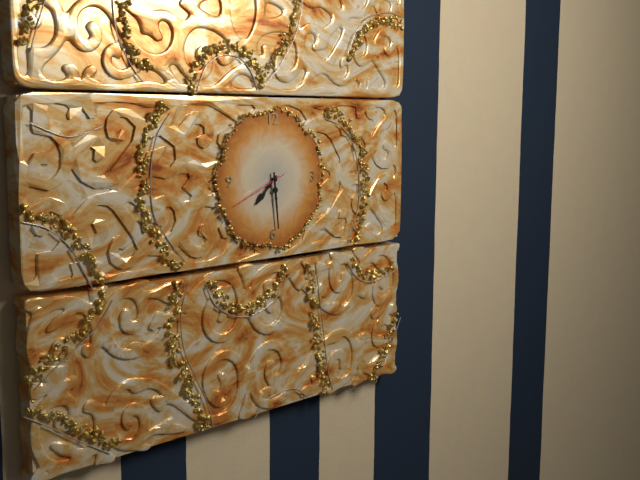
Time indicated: 7:29
